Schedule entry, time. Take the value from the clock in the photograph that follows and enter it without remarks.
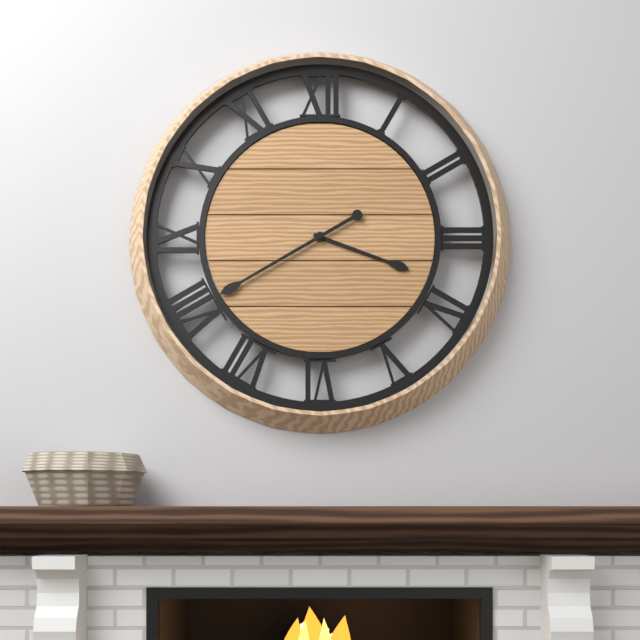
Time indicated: 3:40
